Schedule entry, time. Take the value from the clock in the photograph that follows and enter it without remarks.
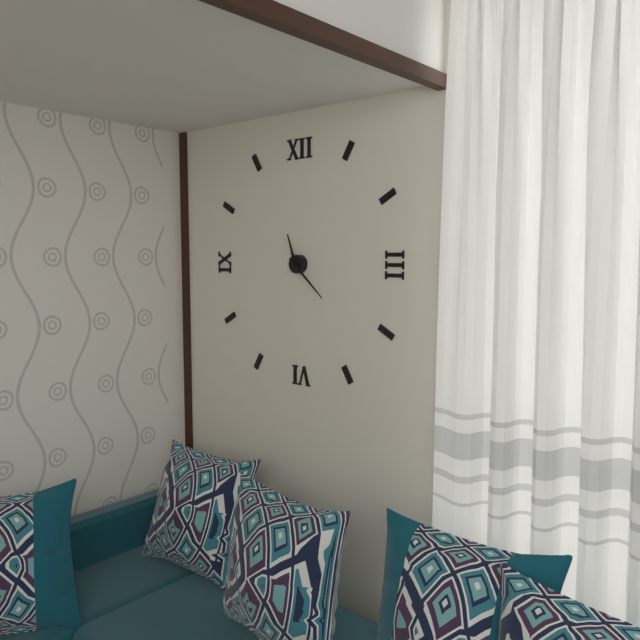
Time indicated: 11:22
